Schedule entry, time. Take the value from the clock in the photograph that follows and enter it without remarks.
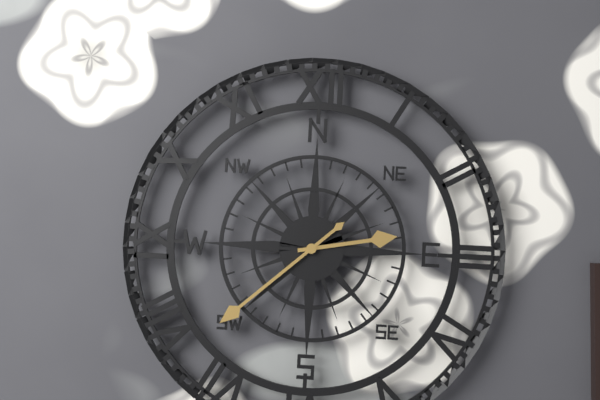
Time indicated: 2:38
